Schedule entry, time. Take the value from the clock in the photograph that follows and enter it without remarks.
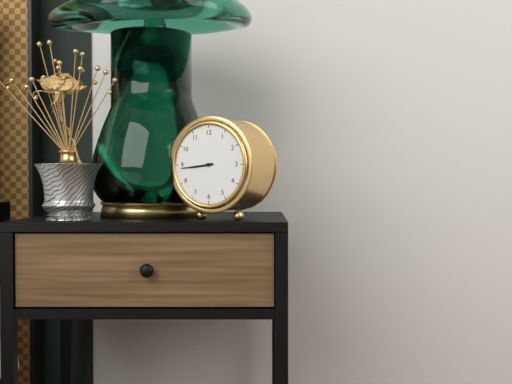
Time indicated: 8:44
